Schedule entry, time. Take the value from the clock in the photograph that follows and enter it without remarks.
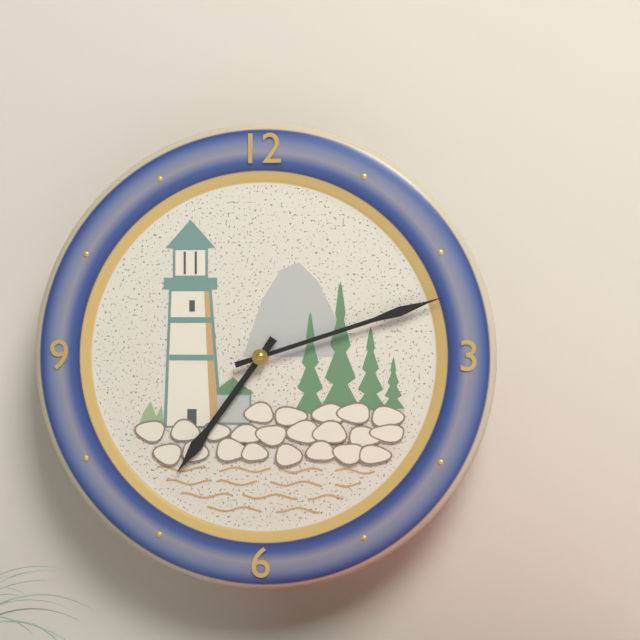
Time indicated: 7:12
